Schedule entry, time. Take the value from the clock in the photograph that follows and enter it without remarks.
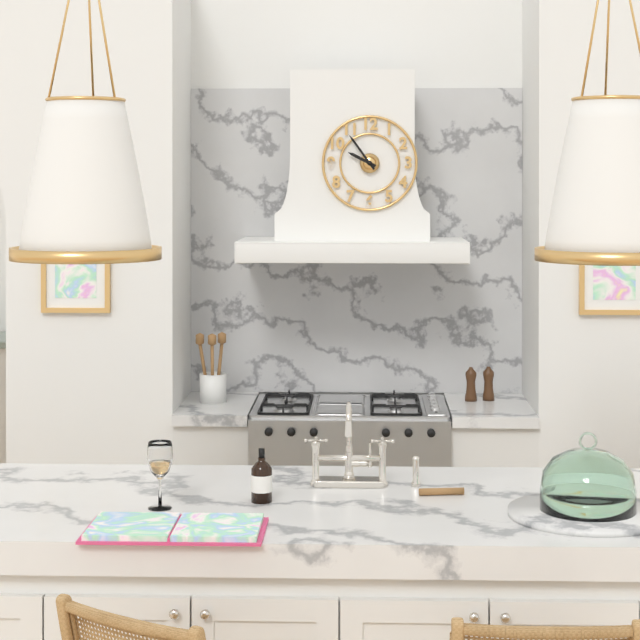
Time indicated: 9:54
